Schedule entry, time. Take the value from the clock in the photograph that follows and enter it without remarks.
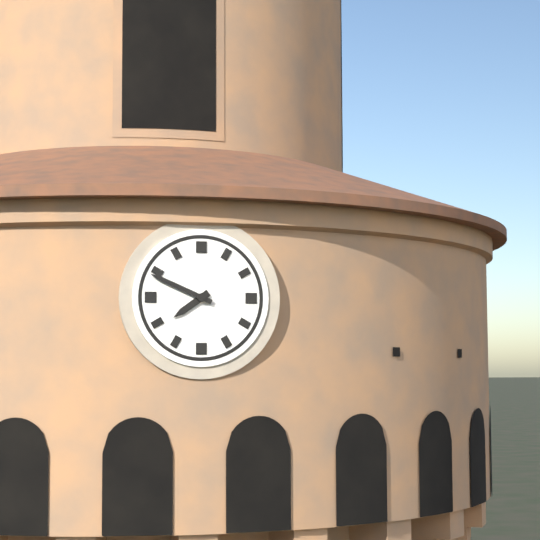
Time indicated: 7:49
